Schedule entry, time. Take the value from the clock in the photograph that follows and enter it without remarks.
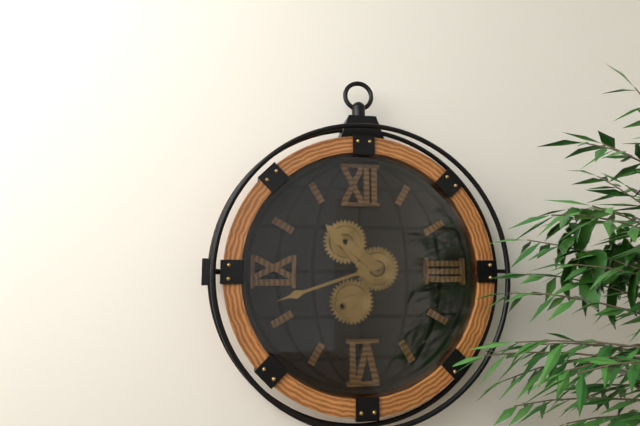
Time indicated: 10:42
